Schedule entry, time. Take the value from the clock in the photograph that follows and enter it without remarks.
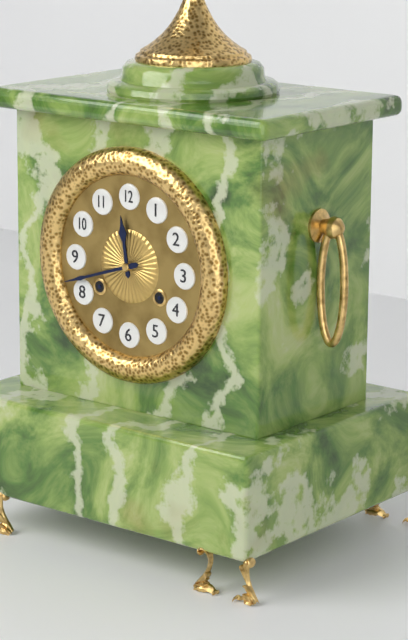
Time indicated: 11:42
